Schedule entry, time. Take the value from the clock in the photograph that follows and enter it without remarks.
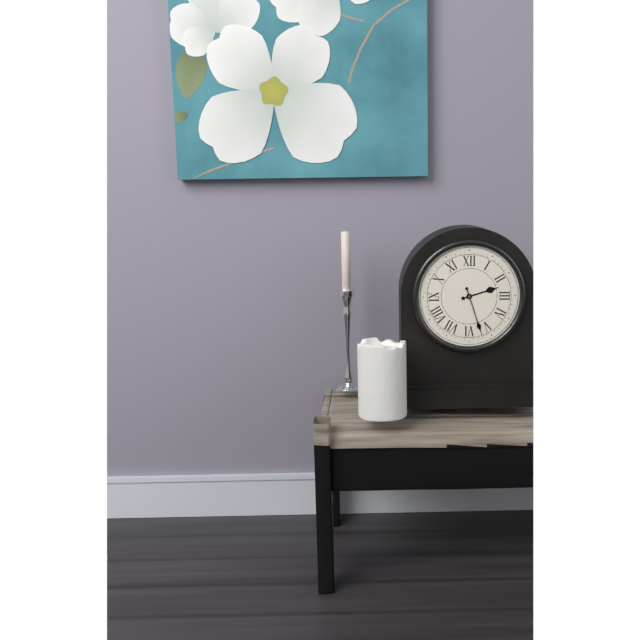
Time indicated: 2:27
